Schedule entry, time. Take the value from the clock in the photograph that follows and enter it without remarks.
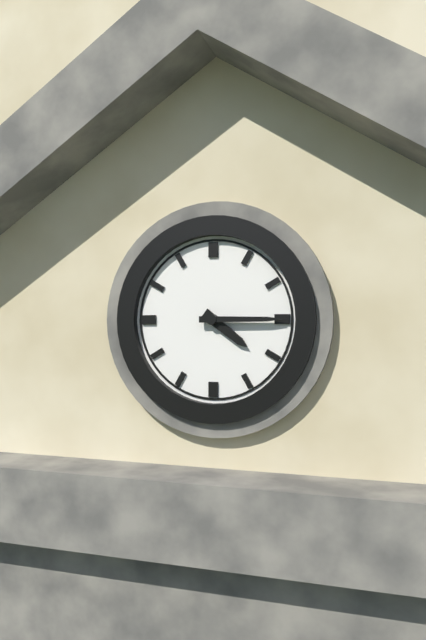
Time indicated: 4:15
